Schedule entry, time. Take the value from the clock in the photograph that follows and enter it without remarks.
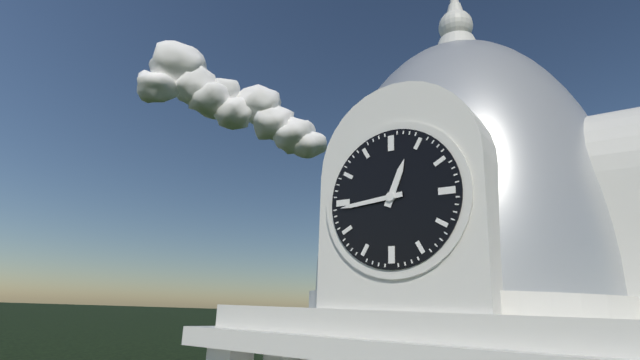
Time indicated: 12:44
